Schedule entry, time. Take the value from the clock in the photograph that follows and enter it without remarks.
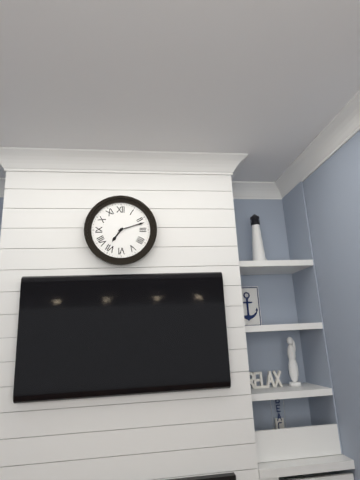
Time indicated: 7:12
